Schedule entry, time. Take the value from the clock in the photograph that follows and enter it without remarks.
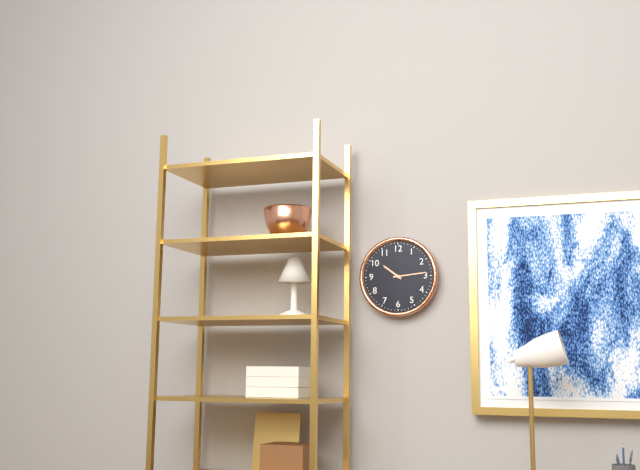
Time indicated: 10:14
